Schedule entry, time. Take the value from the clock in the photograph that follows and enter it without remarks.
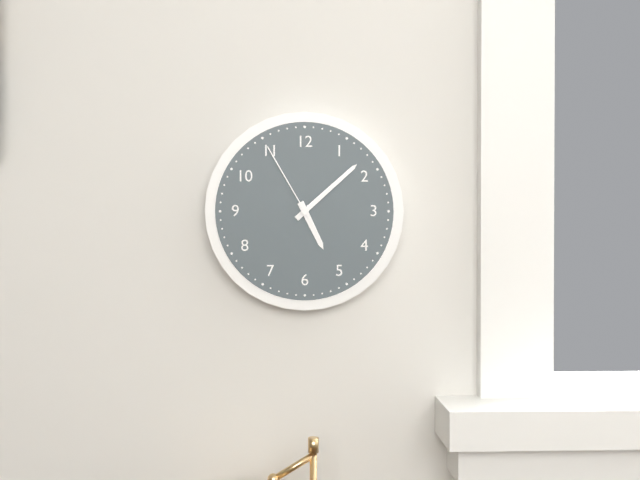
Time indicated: 5:08:55
